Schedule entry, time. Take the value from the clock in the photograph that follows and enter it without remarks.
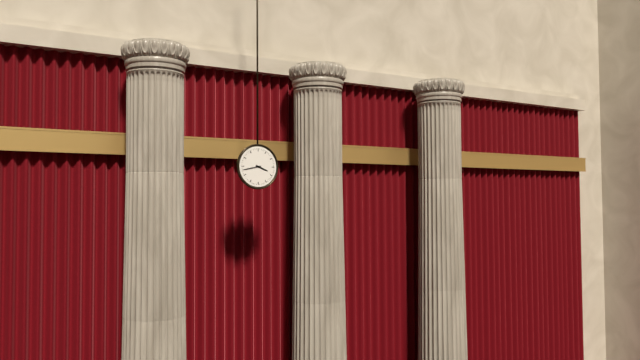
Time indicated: 3:43
